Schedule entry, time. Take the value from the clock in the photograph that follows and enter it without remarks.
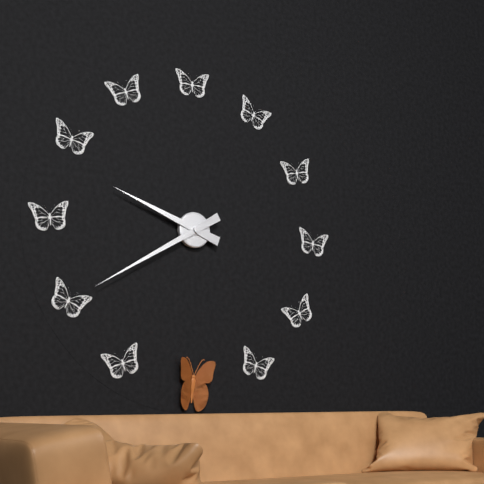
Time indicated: 9:40
